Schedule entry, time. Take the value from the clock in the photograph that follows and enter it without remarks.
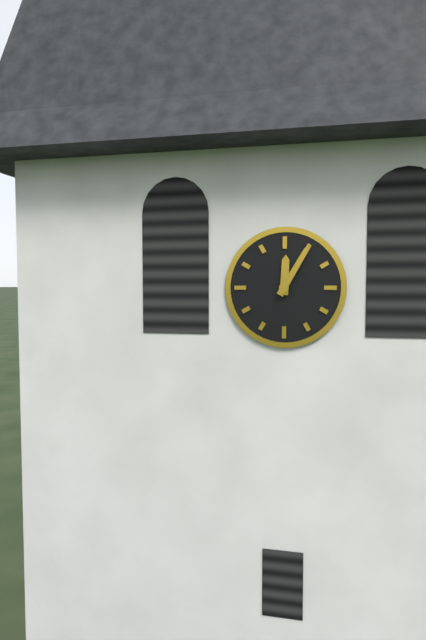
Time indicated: 12:05
